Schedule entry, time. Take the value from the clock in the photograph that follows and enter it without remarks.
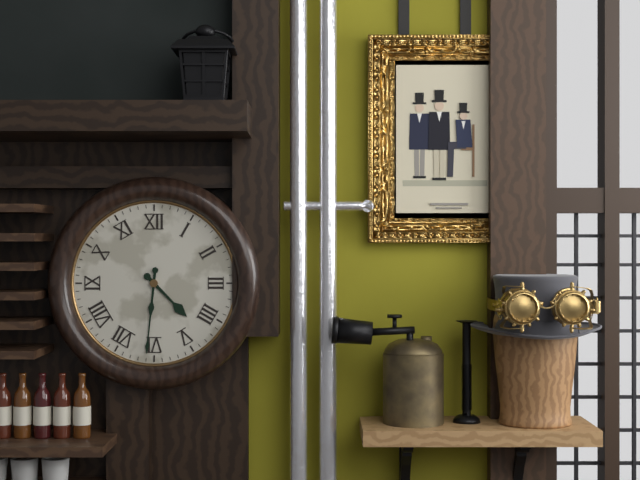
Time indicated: 4:31
